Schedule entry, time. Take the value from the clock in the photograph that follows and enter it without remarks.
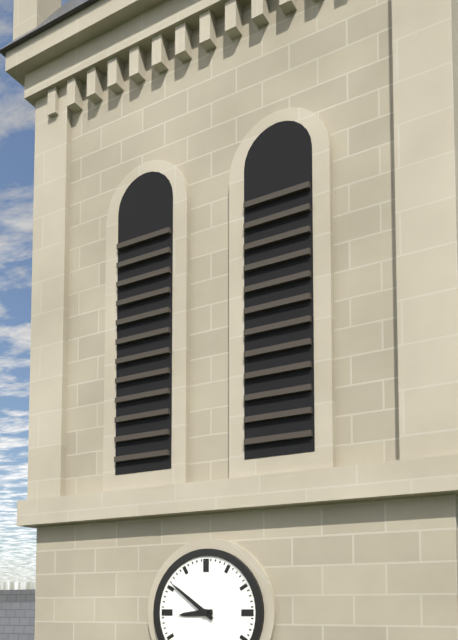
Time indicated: 8:51
